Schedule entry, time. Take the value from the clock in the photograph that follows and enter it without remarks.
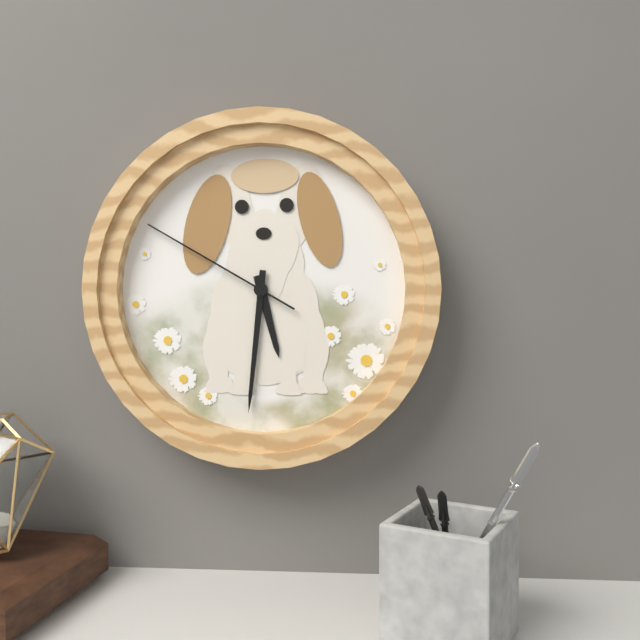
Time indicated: 5:31:50
